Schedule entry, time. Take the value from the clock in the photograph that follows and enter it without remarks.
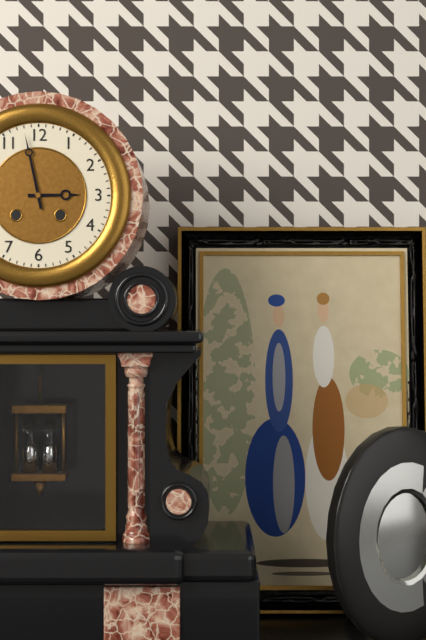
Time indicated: 2:58
